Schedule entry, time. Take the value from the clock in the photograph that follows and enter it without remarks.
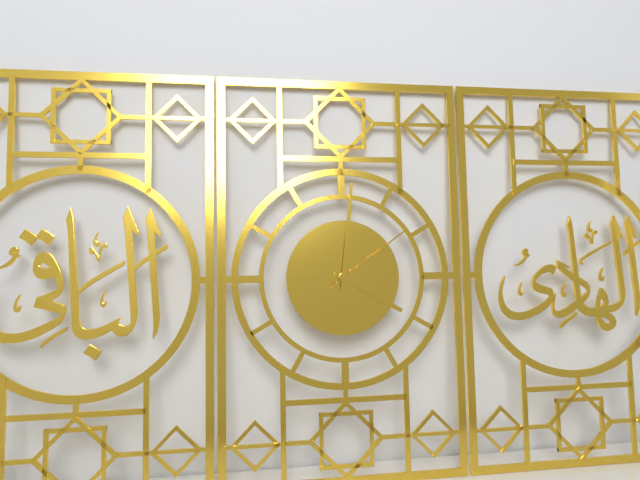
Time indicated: 4:01:09
